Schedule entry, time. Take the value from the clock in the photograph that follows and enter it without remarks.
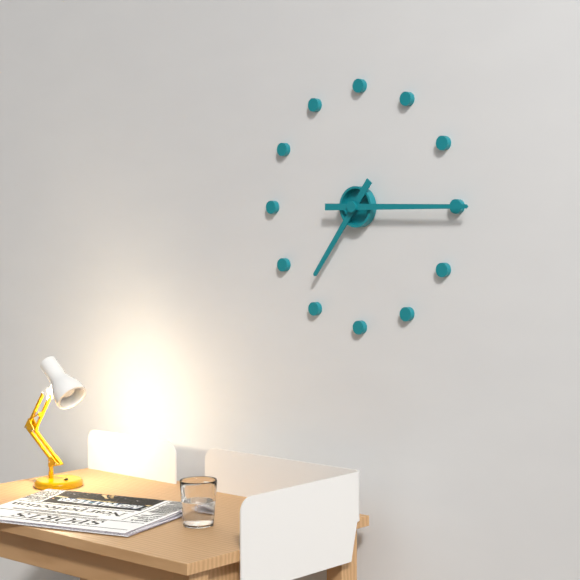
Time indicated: 7:15
